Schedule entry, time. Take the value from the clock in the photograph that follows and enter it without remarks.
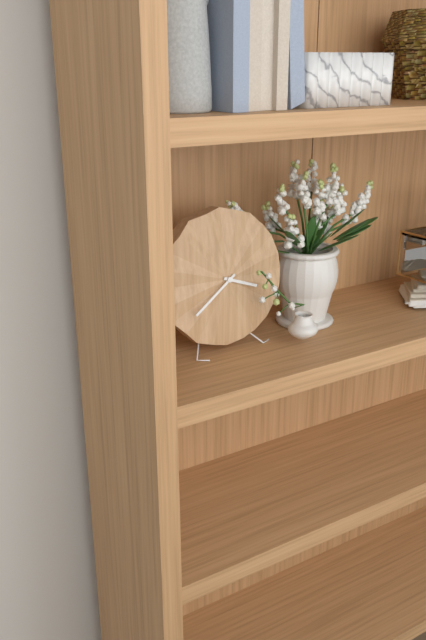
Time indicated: 3:39
